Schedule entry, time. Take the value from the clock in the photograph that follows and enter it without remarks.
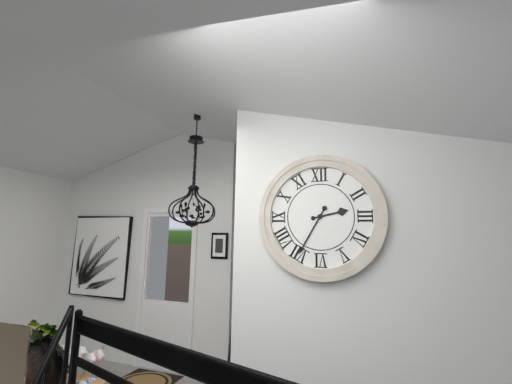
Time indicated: 2:35
